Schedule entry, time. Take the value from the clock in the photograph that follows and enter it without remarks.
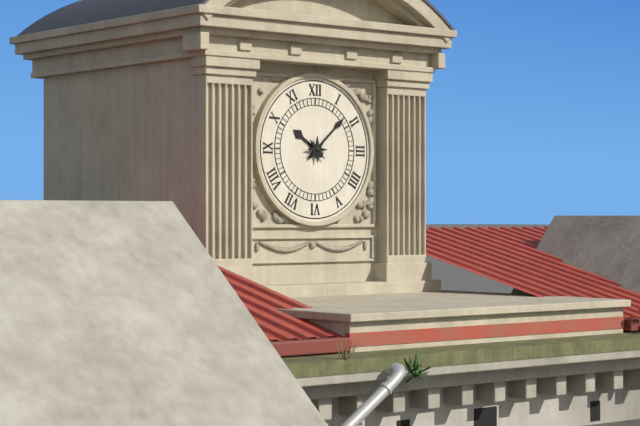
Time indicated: 10:08
